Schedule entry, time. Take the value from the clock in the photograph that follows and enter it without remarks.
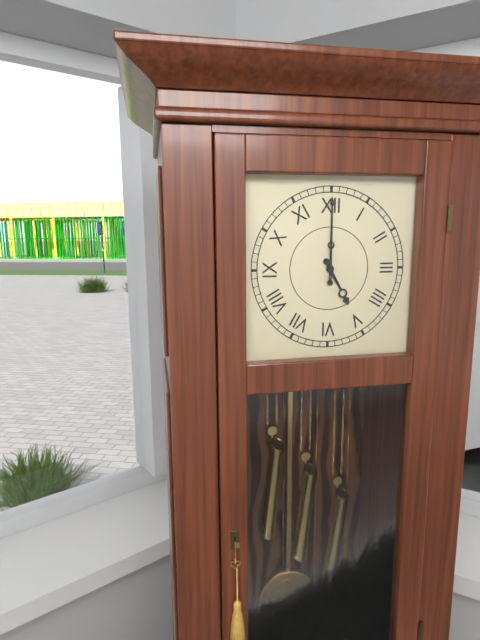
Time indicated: 5:00
